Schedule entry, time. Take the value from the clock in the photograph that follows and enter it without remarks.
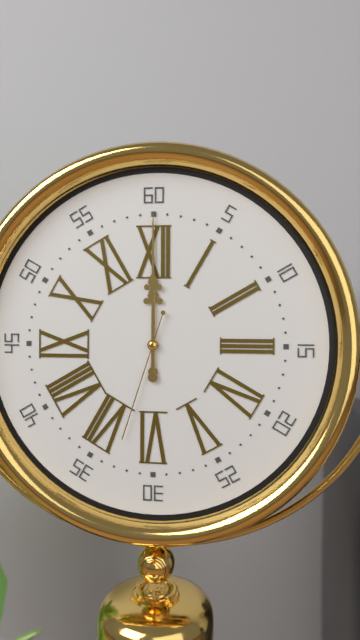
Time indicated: 12:00:33
